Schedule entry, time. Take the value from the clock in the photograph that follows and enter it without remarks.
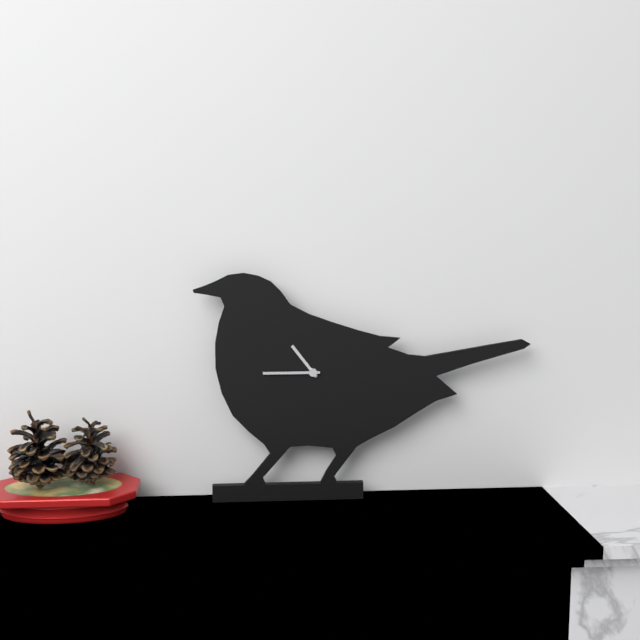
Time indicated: 10:45
